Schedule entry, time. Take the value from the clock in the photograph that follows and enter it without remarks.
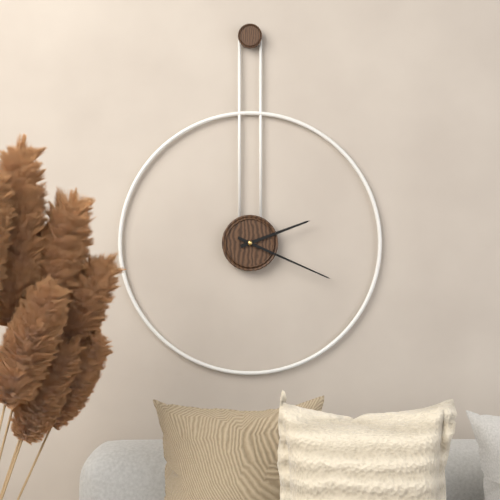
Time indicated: 2:19
